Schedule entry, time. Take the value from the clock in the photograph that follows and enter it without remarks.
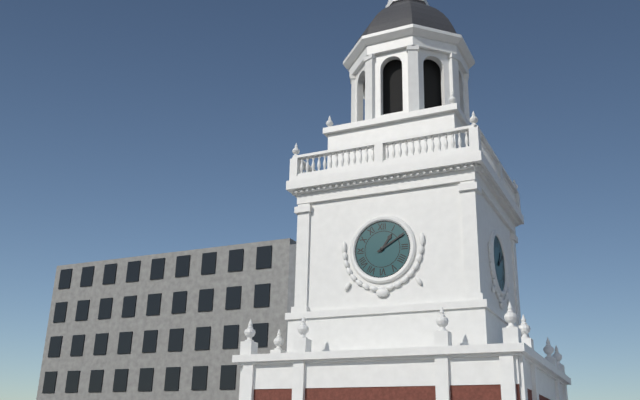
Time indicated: 1:10
